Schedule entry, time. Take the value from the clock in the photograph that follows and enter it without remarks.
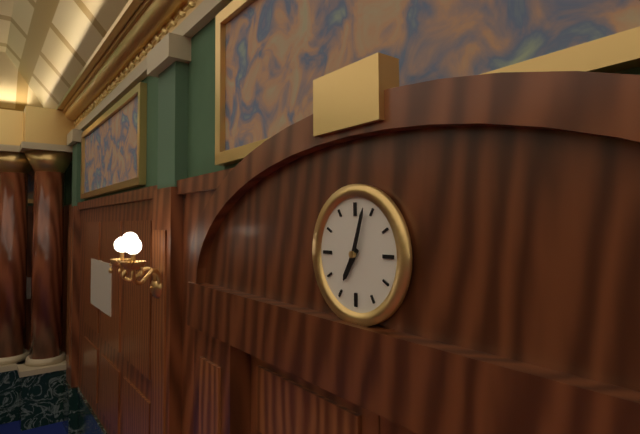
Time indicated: 7:03
